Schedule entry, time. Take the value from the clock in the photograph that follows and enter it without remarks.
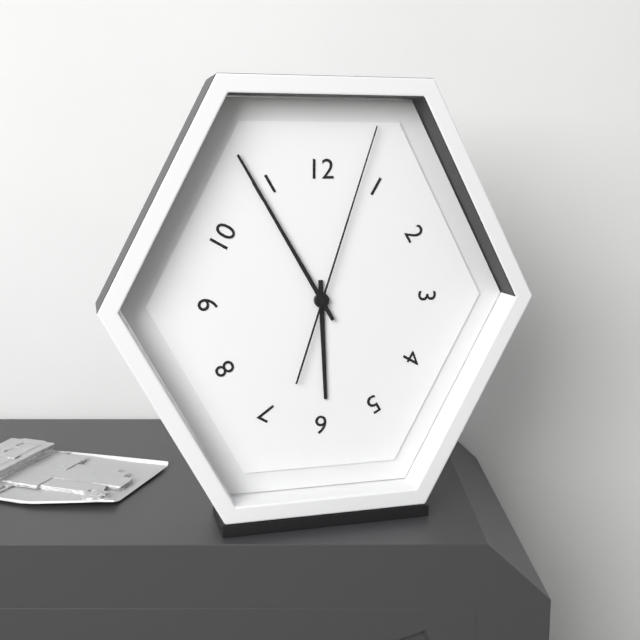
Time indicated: 5:55:03
